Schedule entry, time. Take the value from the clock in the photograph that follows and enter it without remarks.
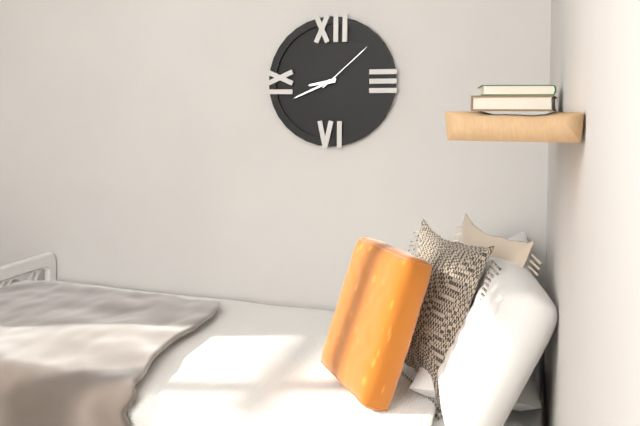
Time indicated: 8:41:08
